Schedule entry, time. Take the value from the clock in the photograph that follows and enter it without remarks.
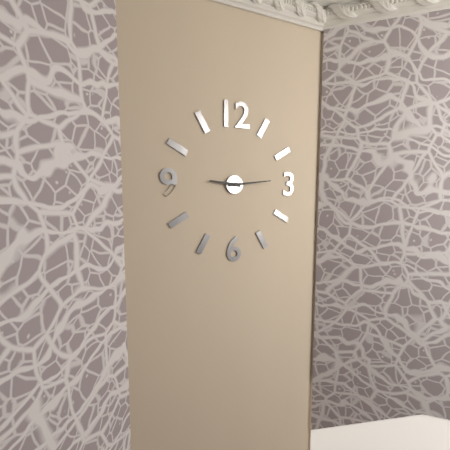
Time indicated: 9:14
